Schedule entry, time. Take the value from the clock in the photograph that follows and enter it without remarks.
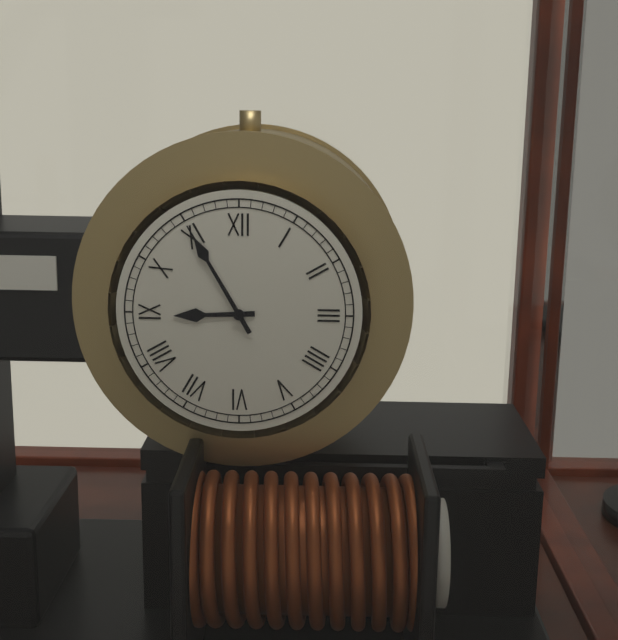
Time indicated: 8:55
